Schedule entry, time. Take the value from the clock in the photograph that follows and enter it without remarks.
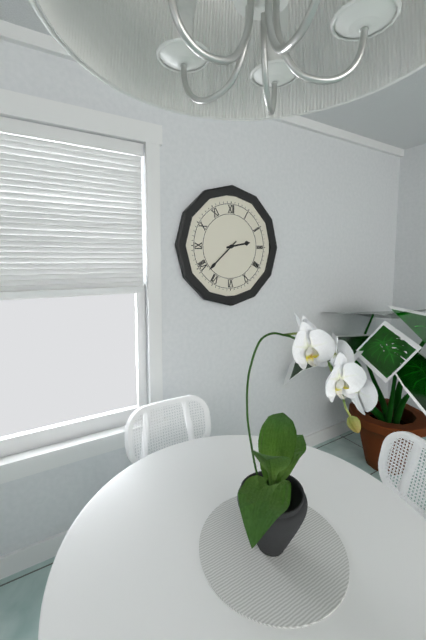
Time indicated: 2:38
